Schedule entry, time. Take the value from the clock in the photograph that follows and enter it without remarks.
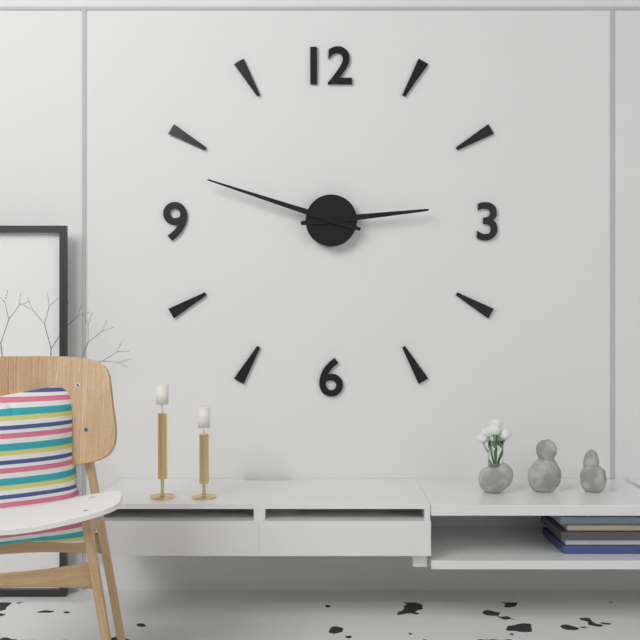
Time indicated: 2:48
